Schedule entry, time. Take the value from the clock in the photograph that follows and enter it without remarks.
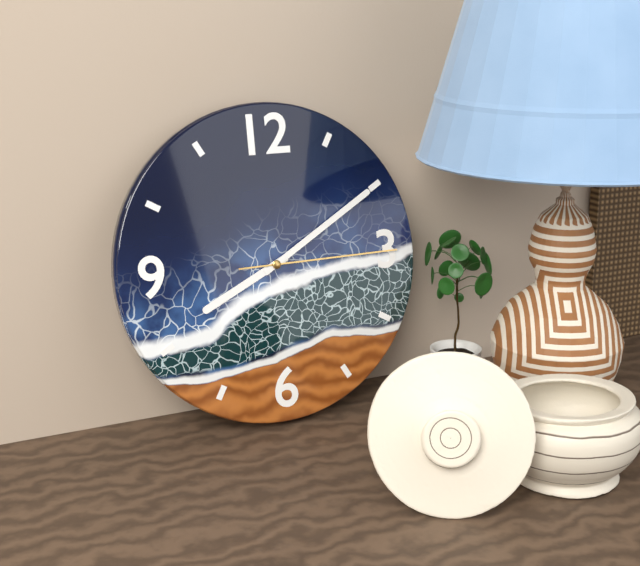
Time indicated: 8:10:15
